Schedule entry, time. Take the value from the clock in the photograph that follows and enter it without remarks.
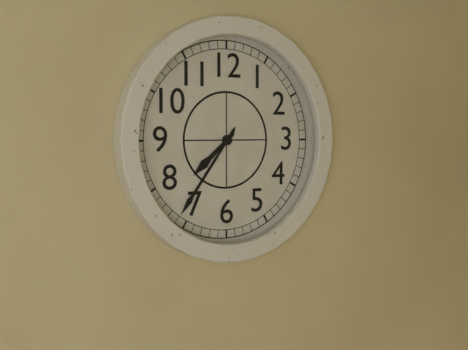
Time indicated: 7:36
